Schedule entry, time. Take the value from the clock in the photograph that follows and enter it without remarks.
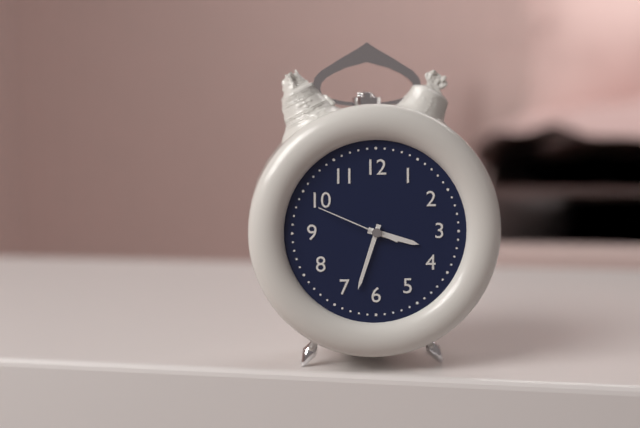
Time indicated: 3:33:49
